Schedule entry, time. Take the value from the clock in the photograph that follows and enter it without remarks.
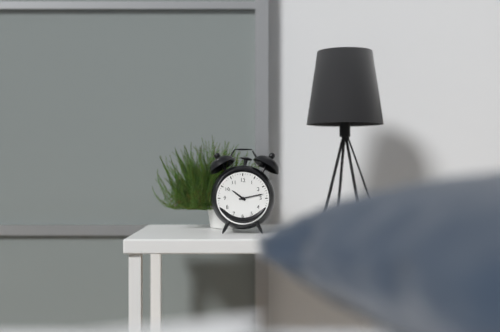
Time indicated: 10:13
